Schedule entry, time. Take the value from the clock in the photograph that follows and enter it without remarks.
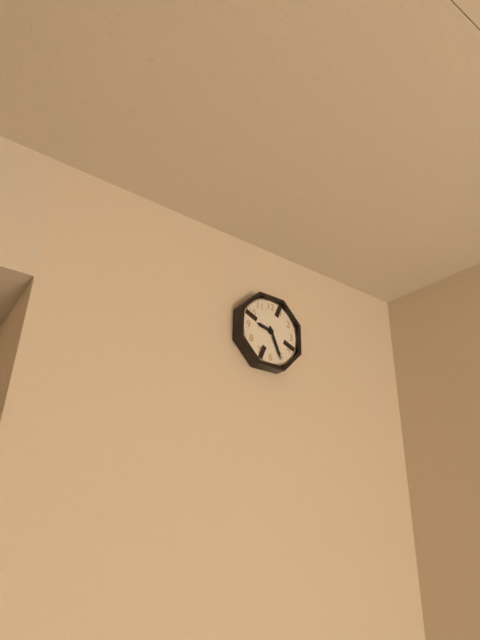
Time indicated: 9:26
